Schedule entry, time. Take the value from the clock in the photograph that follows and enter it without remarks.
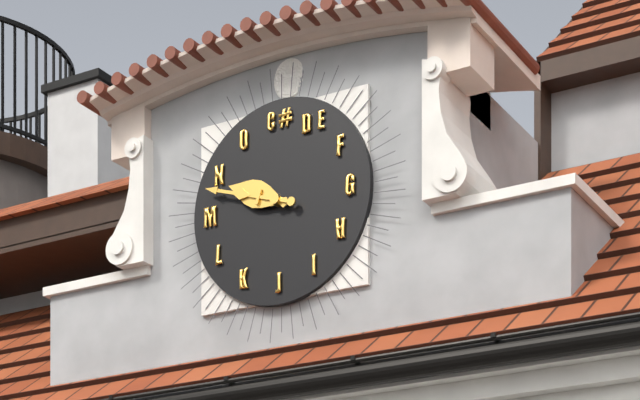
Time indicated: 9:48
